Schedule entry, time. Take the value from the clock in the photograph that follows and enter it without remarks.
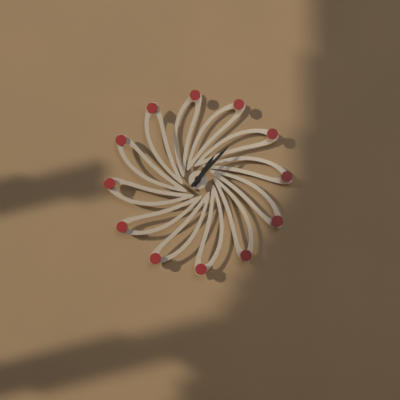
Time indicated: 1:07
